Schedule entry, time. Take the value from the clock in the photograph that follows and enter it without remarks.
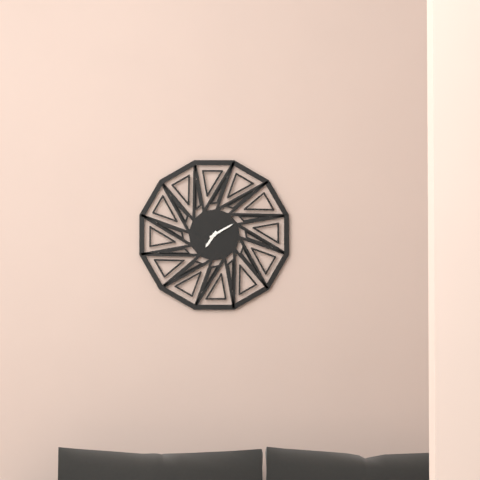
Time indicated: 7:10
